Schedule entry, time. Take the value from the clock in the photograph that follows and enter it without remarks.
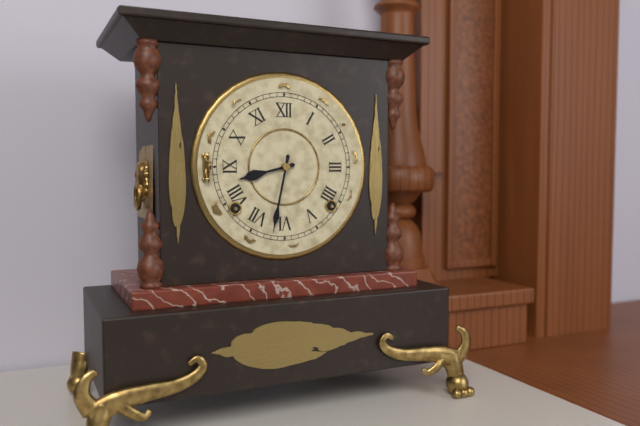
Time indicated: 8:32
